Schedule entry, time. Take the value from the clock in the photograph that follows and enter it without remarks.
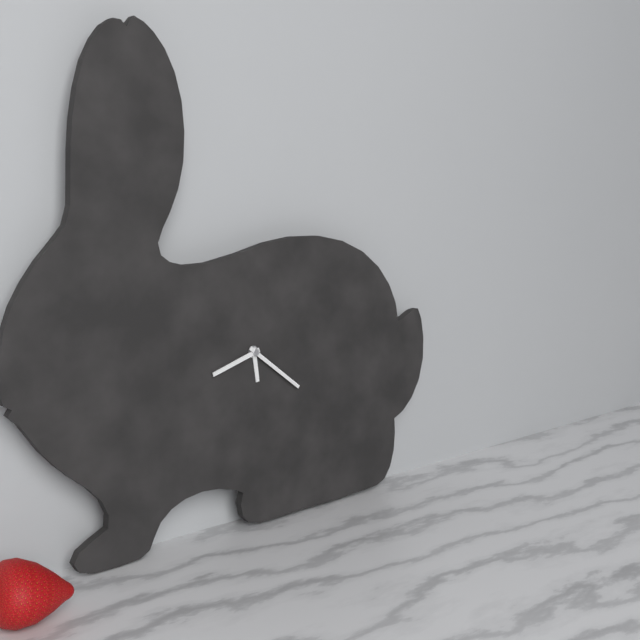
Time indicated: 5:42:21
